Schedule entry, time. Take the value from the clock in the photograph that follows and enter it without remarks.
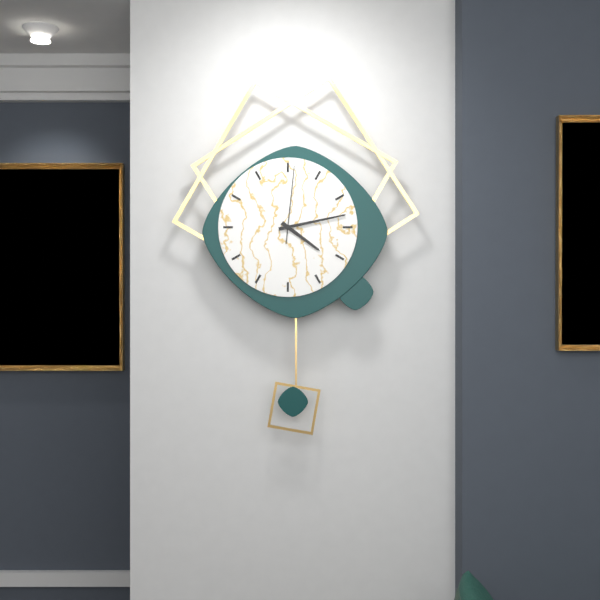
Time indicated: 4:13:01
